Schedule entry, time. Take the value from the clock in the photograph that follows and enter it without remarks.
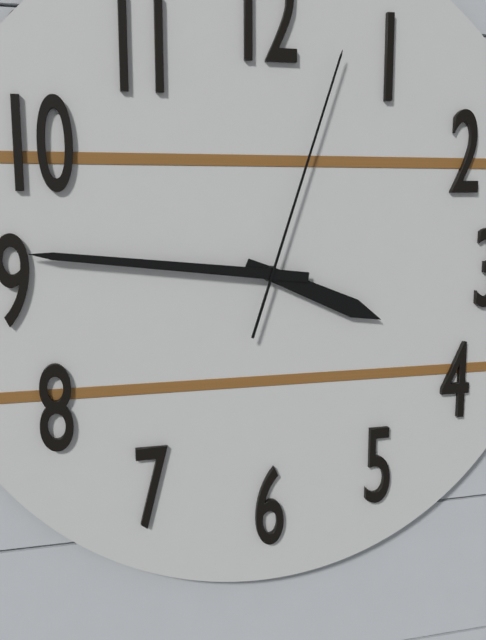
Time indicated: 3:46:03
